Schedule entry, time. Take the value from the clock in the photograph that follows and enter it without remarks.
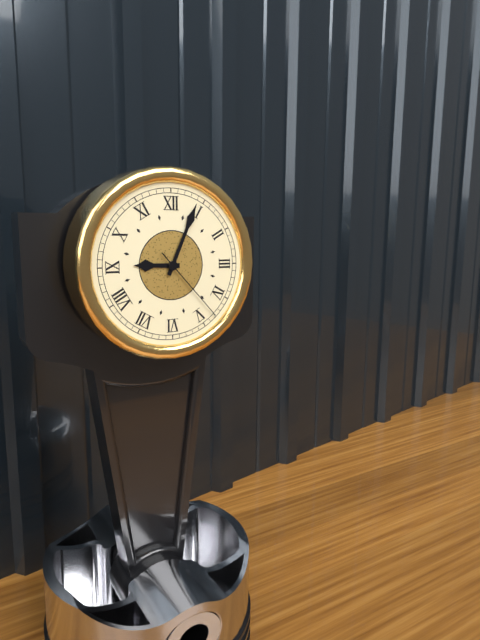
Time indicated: 9:04:23
